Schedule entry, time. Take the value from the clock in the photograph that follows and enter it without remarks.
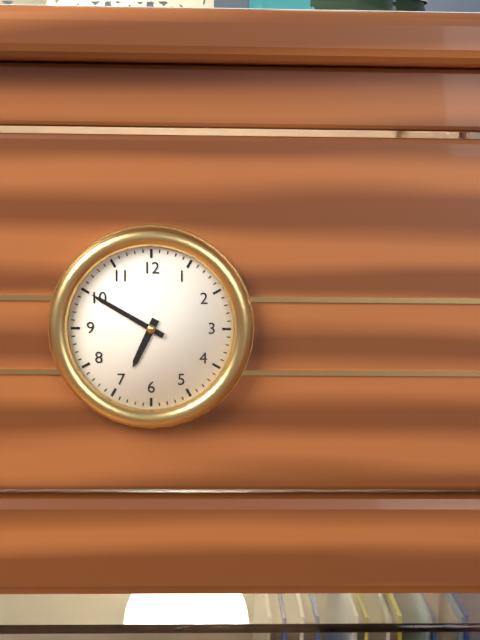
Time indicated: 6:50
